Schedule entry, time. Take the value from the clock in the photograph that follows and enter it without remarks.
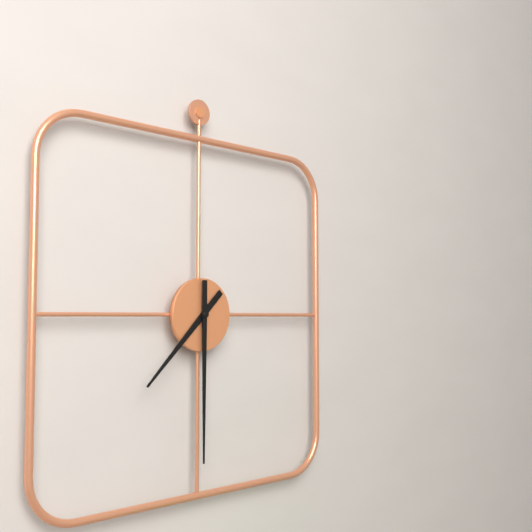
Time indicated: 7:30
